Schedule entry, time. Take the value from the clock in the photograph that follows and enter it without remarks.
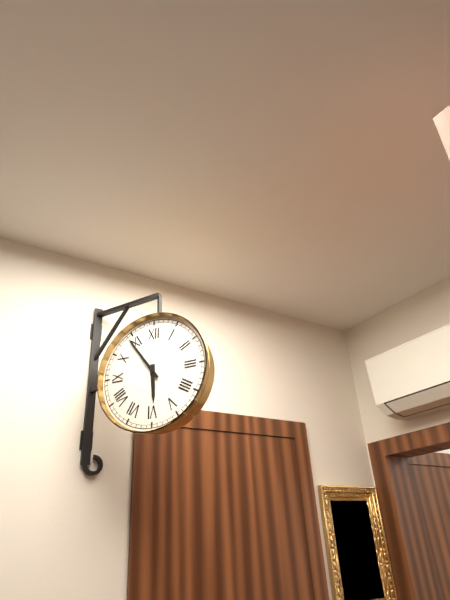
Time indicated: 5:54
